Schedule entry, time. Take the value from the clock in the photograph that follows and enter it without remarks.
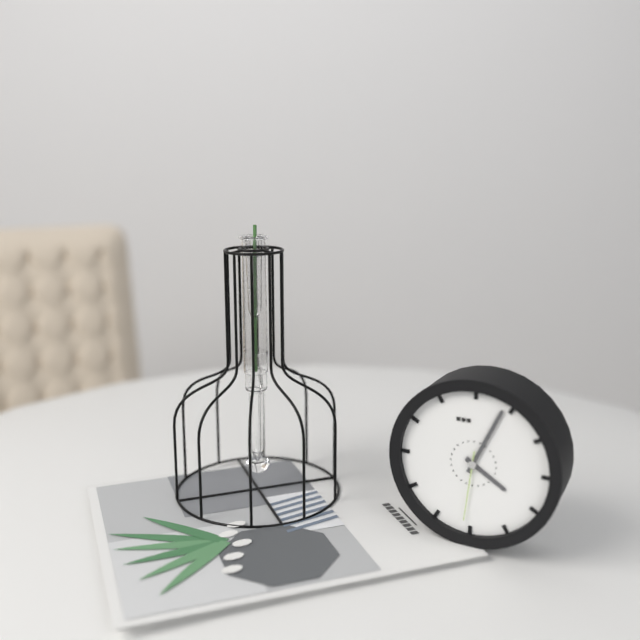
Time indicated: 4:04:31
